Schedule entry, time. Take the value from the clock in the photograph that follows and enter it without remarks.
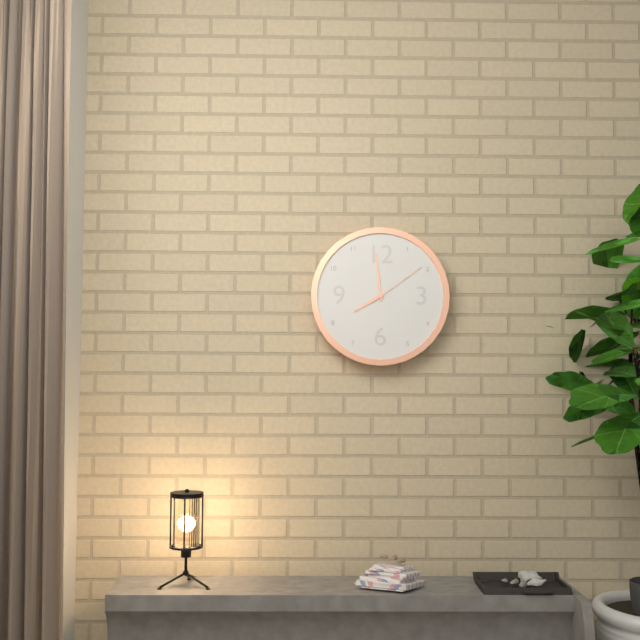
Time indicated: 7:59:09
